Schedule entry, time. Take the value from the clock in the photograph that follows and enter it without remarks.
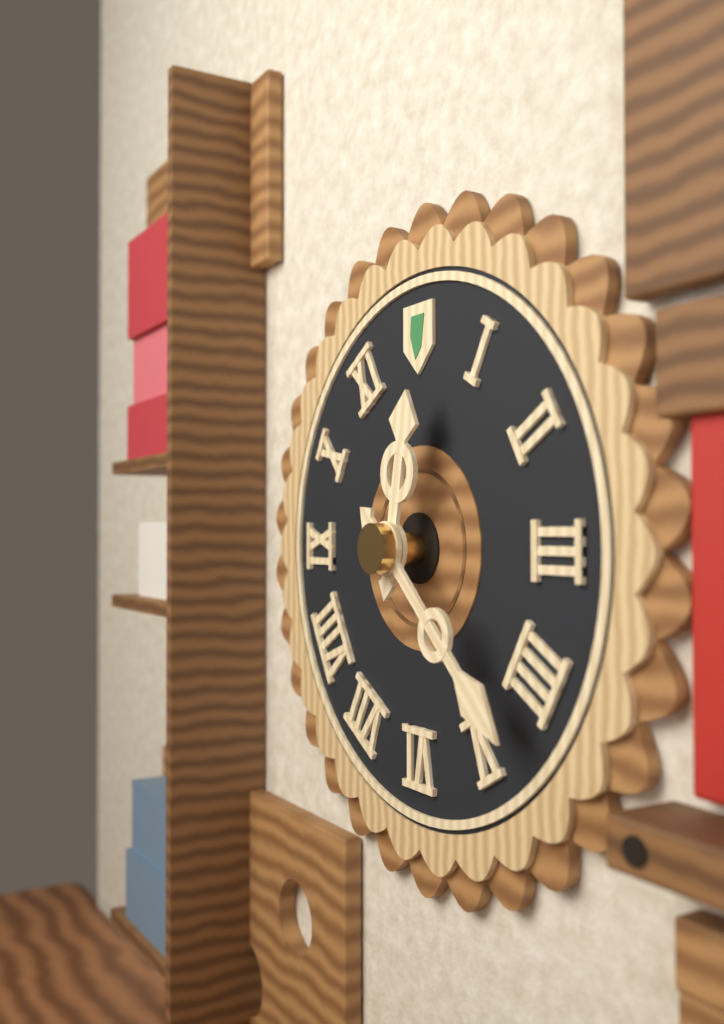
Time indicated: 12:22
